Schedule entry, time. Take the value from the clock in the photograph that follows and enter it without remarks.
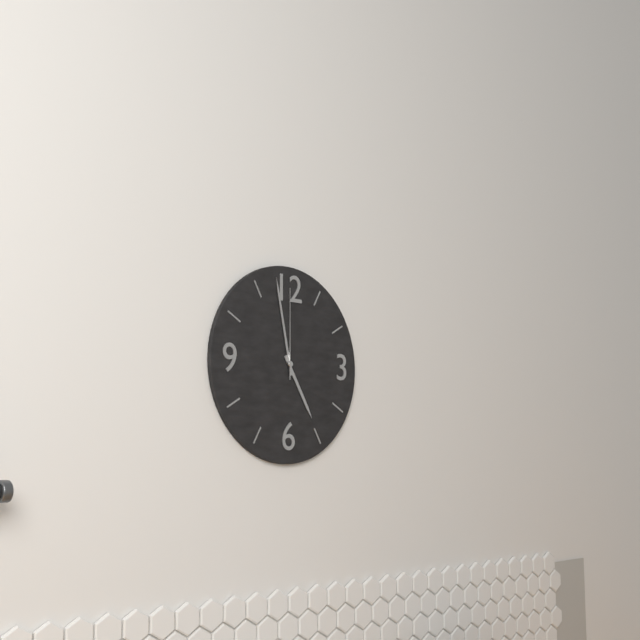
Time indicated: 4:58:00
